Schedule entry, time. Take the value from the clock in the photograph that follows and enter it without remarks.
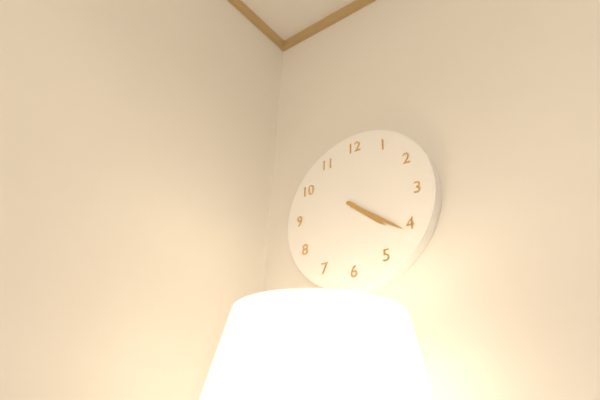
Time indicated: 4:21
